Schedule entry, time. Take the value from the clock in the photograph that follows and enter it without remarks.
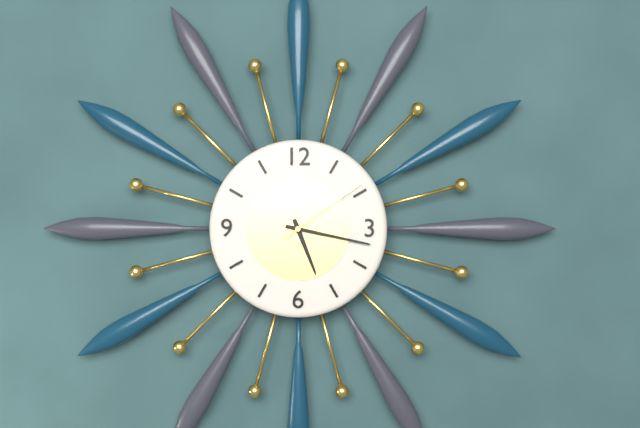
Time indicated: 5:17:09
